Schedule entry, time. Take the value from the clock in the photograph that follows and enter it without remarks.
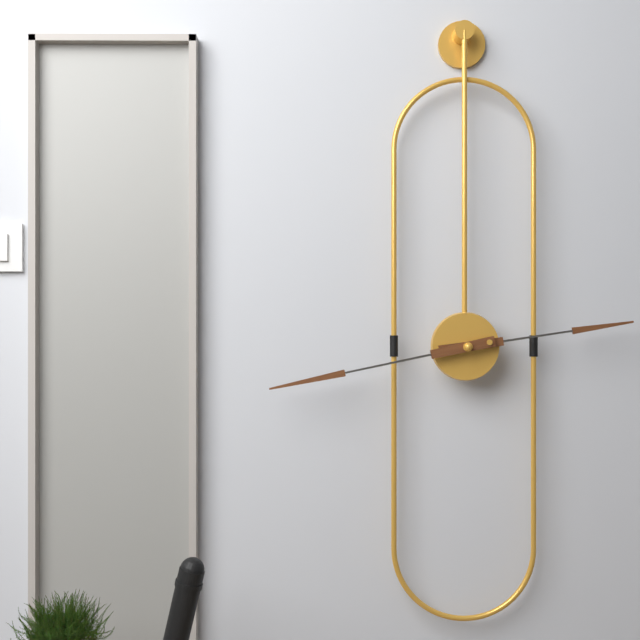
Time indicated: 2:43
